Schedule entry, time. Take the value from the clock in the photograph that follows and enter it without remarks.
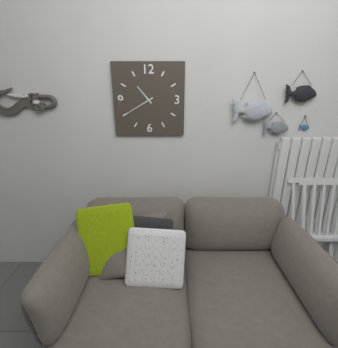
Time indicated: 10:40
